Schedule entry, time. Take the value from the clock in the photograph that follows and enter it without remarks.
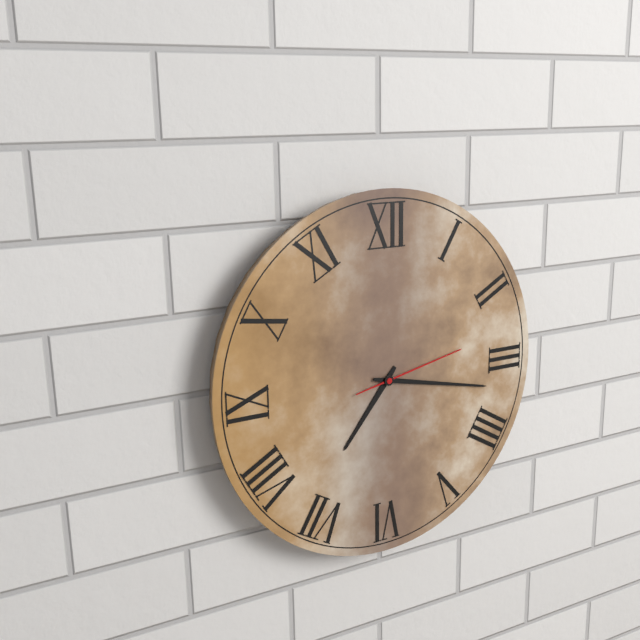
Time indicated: 7:17:13
